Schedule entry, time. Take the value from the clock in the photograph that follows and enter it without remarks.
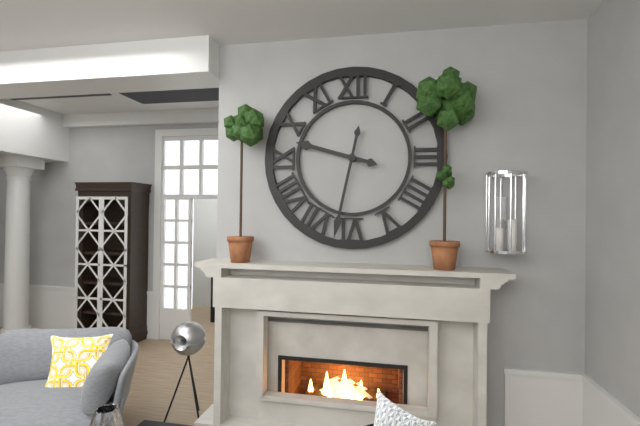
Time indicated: 9:32
